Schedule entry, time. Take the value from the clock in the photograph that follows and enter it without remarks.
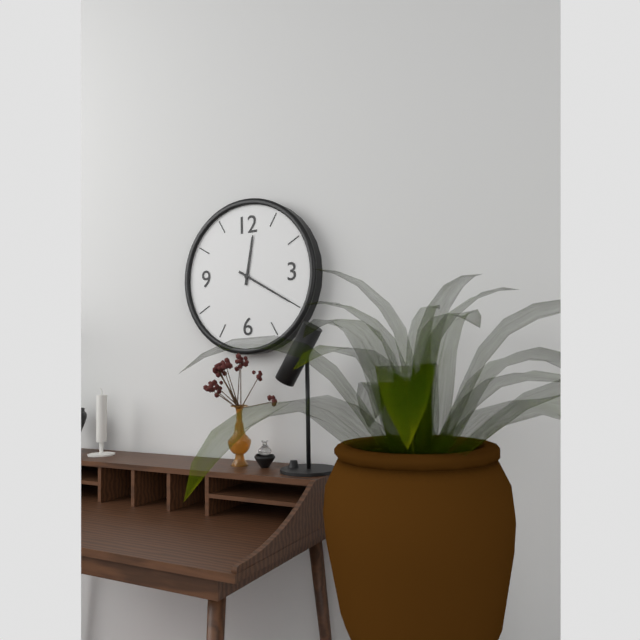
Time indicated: 12:20
